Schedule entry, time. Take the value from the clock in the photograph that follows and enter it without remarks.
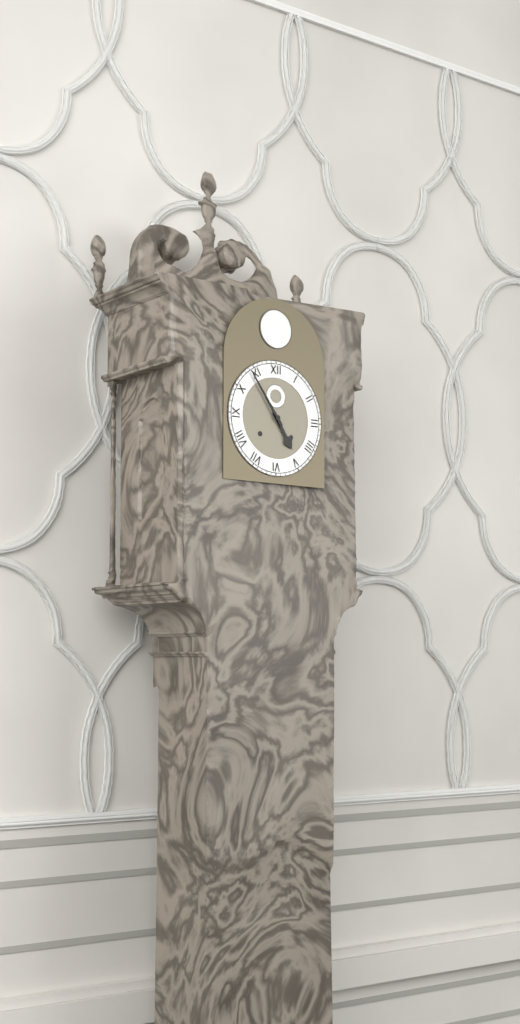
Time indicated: 4:54
